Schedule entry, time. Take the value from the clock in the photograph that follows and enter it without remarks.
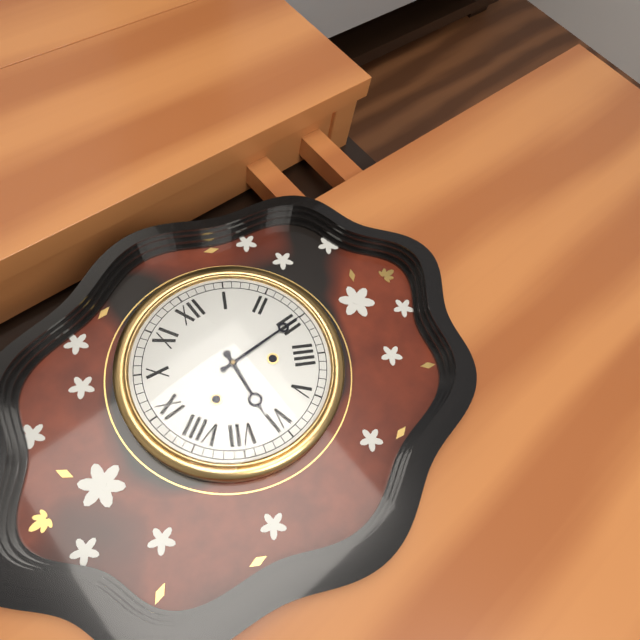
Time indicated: 6:15
